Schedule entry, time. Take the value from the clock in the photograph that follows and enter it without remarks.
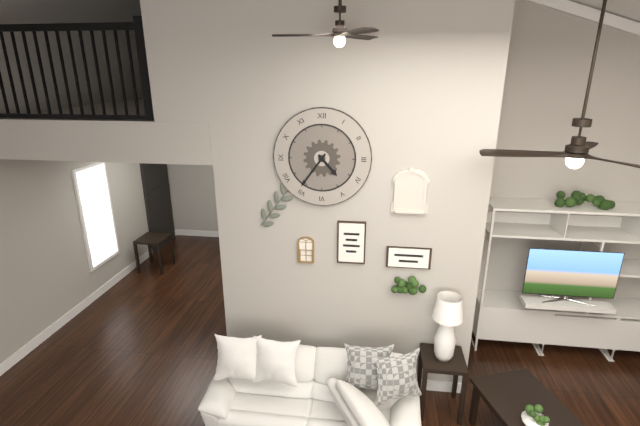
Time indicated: 4:36
